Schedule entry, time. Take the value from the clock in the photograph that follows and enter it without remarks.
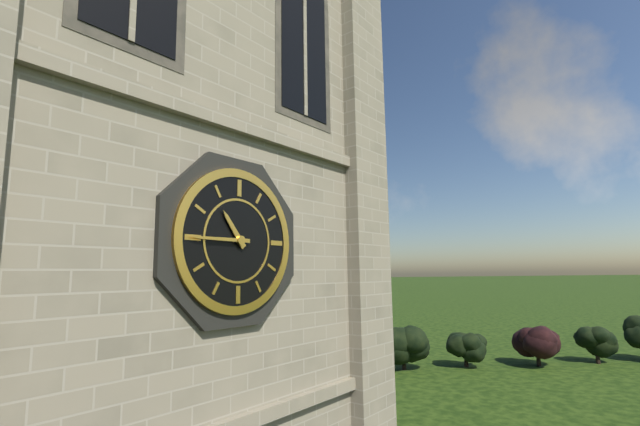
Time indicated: 10:45
